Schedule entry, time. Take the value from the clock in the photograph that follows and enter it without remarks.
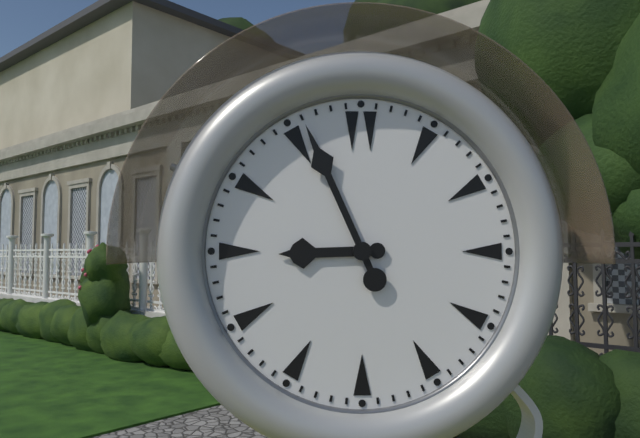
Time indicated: 8:56
